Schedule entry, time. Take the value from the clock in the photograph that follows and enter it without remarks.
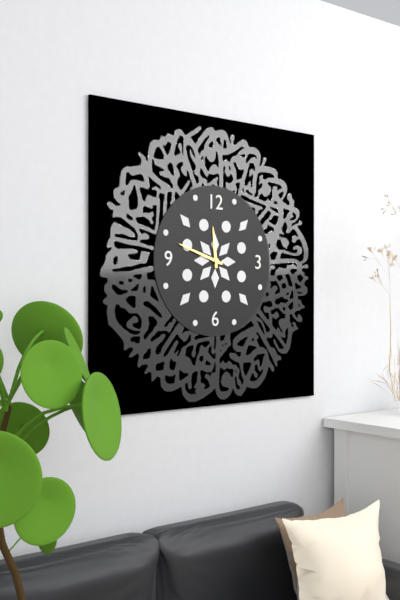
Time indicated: 11:48
